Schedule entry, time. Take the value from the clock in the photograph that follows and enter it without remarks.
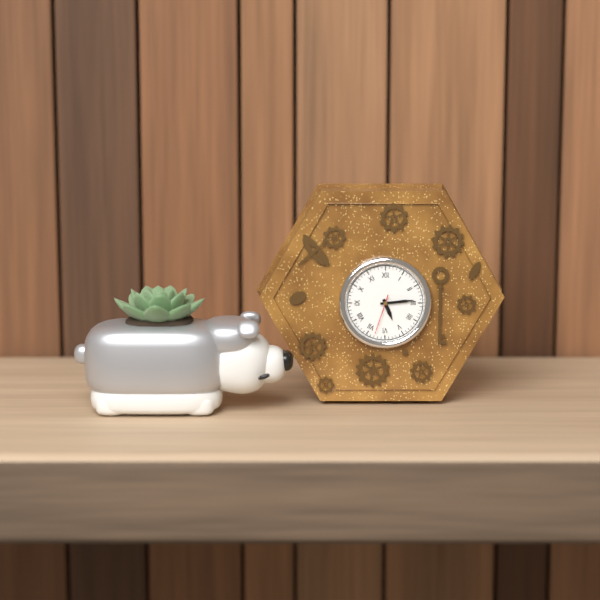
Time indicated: 5:14
